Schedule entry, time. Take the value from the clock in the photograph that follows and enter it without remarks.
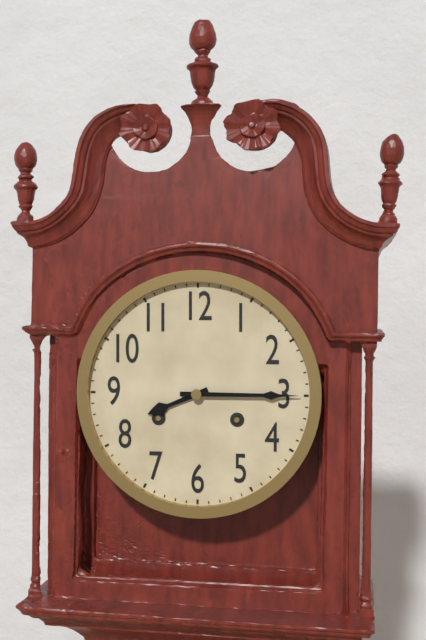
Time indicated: 8:15
